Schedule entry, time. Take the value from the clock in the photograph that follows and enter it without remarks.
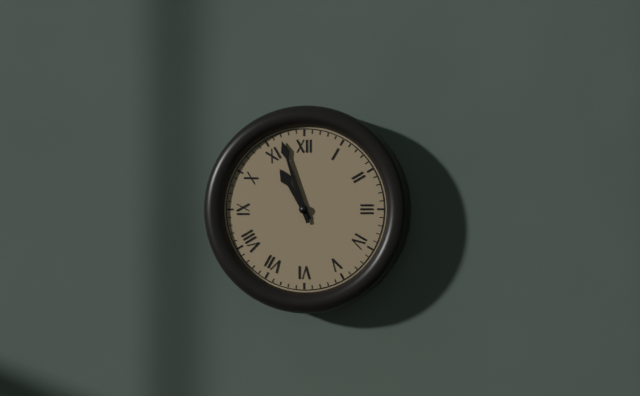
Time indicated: 10:57
